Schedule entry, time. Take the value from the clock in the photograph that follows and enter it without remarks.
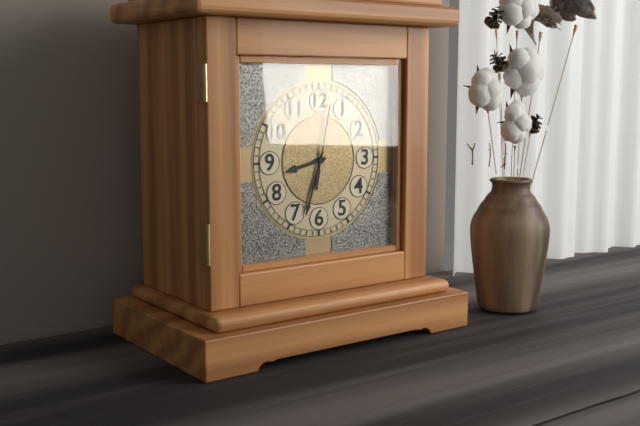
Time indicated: 8:33:02
